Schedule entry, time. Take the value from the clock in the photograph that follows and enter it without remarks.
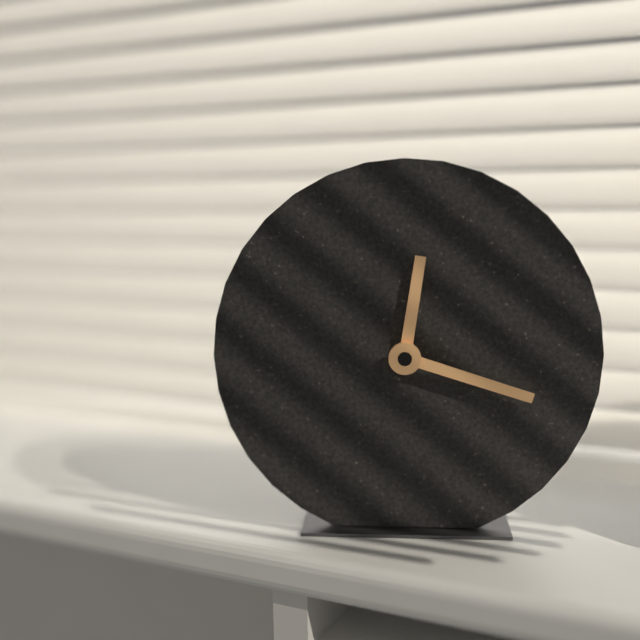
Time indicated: 12:18
